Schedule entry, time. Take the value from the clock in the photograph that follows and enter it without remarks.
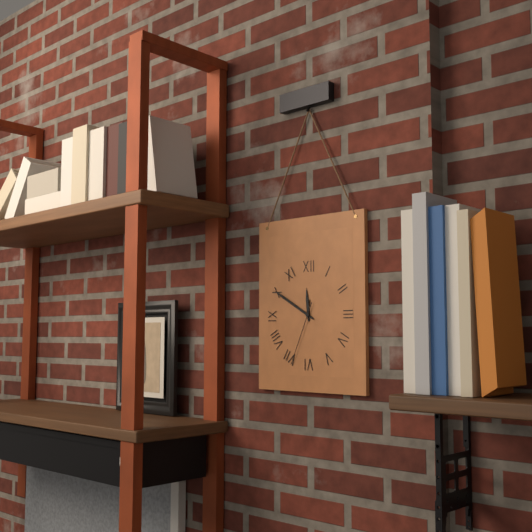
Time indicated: 11:50:34
